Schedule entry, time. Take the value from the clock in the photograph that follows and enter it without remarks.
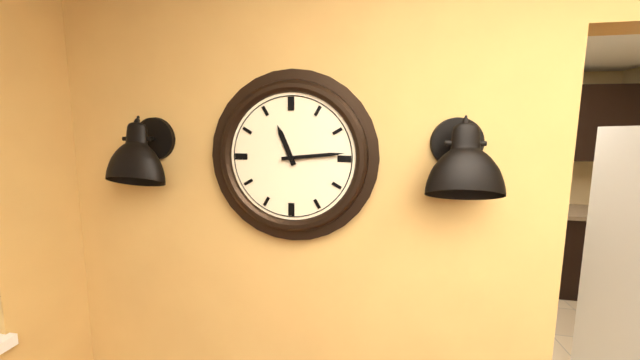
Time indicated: 11:14
